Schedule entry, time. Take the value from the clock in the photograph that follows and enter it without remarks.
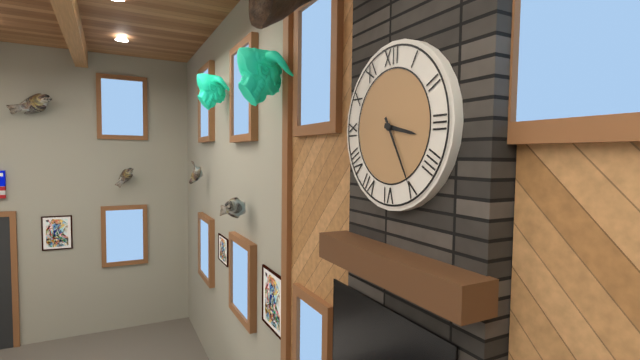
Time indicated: 3:25
